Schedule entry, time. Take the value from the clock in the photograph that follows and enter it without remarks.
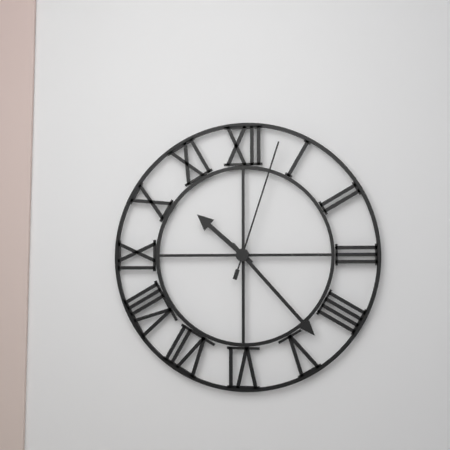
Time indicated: 10:23:03
